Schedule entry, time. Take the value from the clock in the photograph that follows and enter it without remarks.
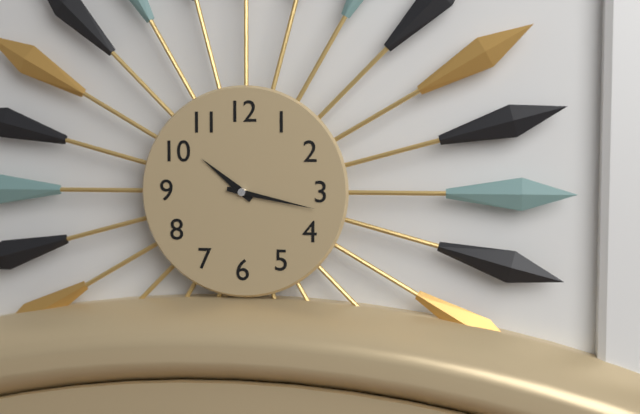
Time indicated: 10:17
